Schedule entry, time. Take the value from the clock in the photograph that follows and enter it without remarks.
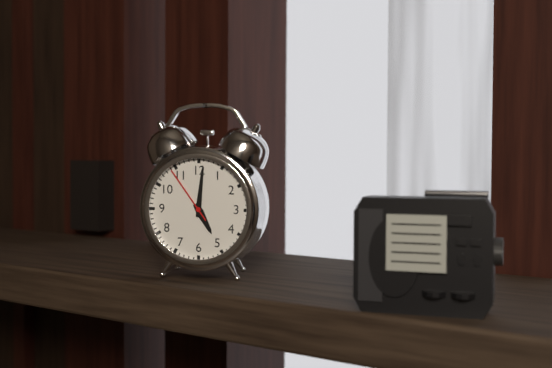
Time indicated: 5:01:54
